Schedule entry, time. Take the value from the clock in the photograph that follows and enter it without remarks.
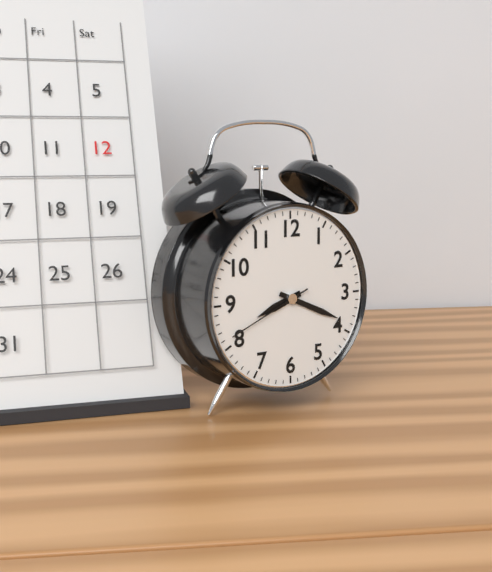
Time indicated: 8:19:41
